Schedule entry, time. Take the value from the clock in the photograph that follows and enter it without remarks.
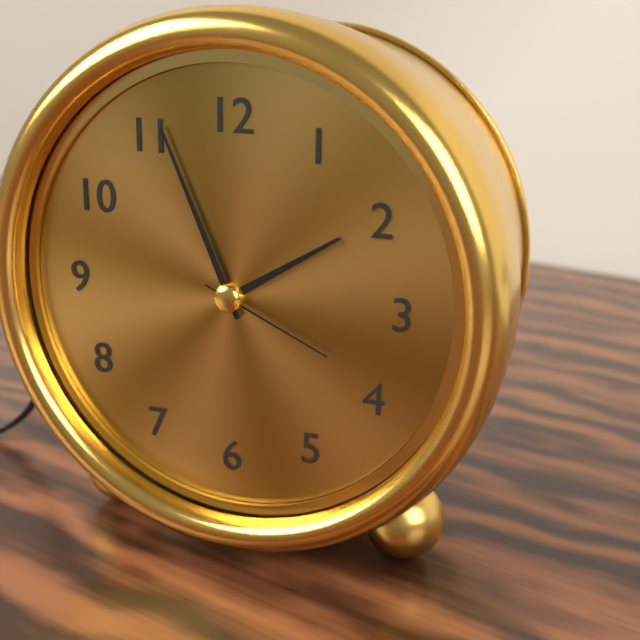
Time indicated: 1:56:19
